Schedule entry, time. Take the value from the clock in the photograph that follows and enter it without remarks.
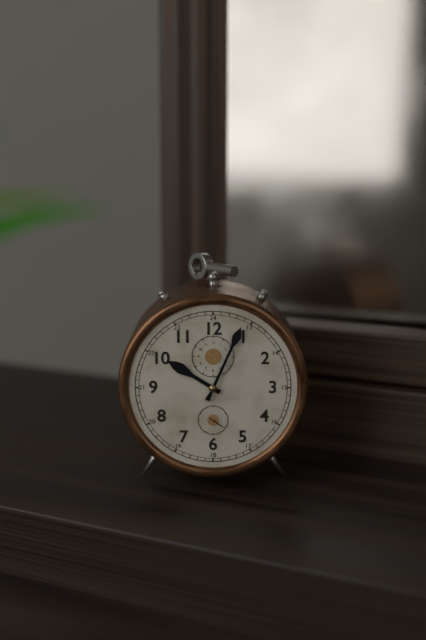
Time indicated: 10:04
